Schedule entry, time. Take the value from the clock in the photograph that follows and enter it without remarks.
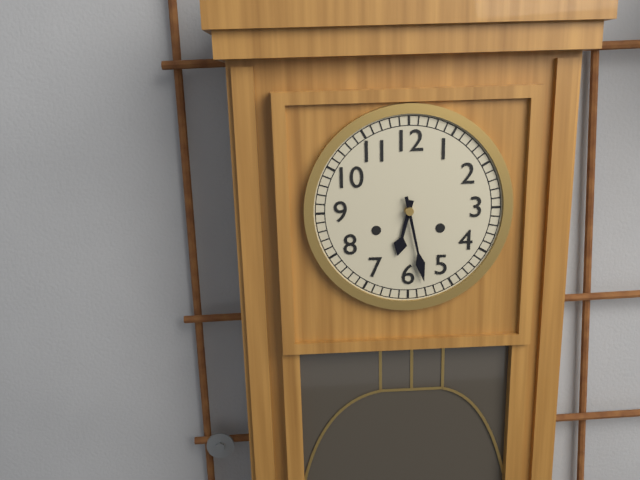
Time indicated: 6:28
